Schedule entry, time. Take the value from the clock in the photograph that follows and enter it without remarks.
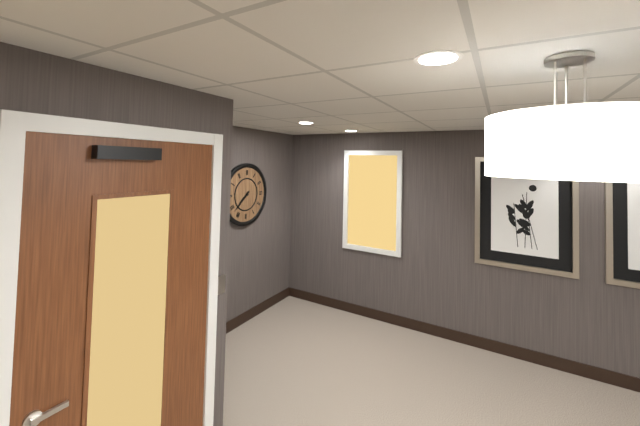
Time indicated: 7:38
